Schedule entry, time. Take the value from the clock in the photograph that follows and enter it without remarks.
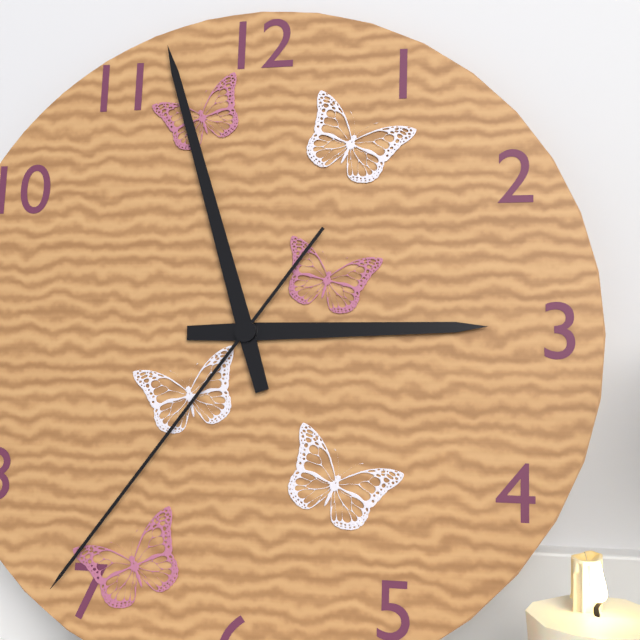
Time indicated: 2:57:36
